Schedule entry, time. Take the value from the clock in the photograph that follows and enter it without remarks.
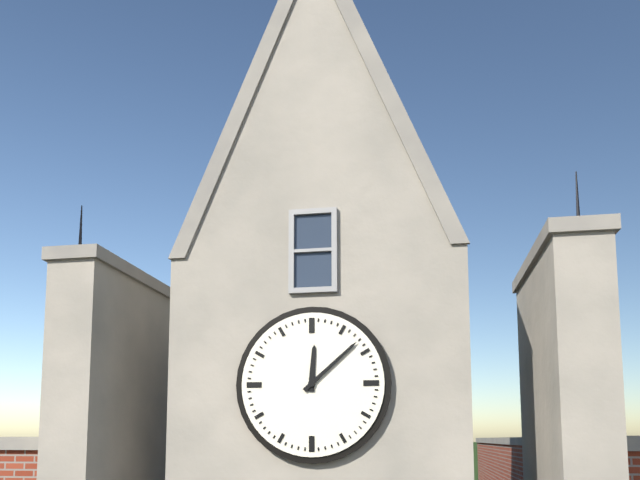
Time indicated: 12:08
